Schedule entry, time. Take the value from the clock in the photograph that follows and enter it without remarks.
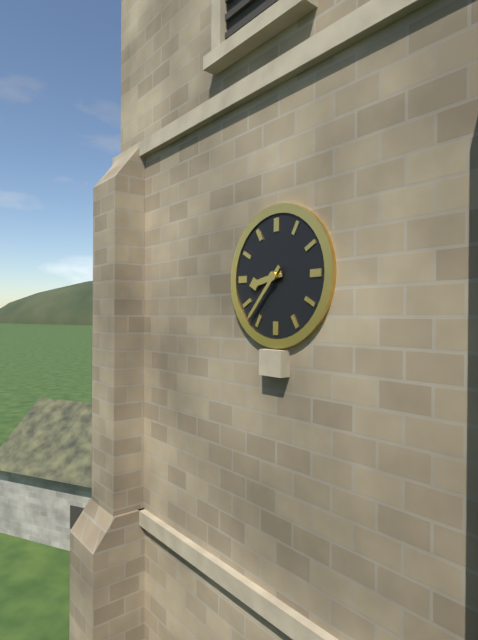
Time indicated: 8:37
